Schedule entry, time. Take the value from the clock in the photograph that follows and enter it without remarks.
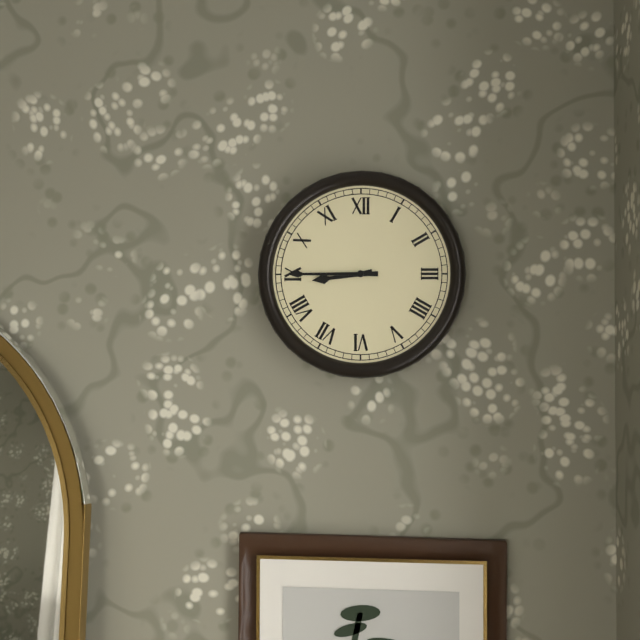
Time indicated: 8:45
